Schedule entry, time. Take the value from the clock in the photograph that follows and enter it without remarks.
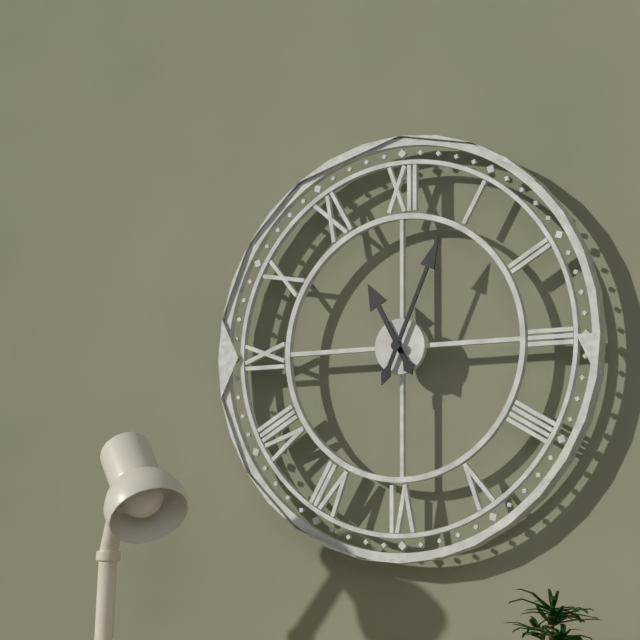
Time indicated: 11:04
